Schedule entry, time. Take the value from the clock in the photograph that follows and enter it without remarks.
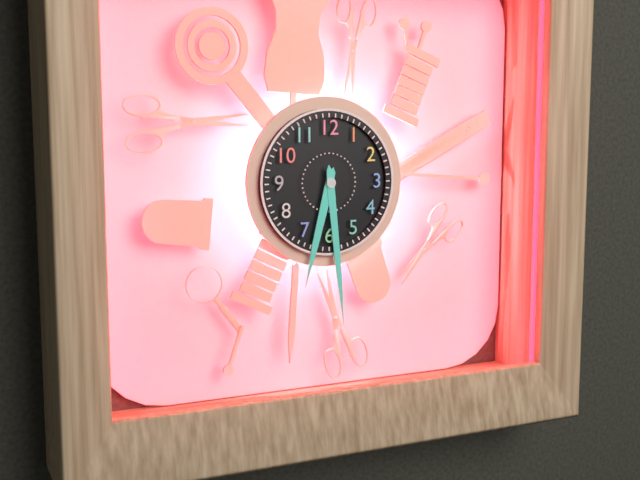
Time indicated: 6:29
